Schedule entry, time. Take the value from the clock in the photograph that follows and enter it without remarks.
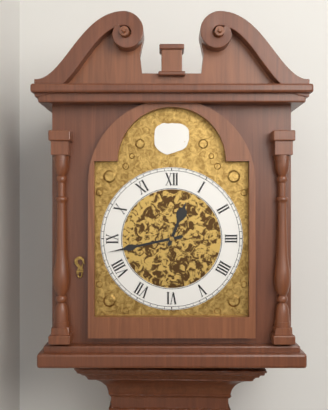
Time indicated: 12:43
